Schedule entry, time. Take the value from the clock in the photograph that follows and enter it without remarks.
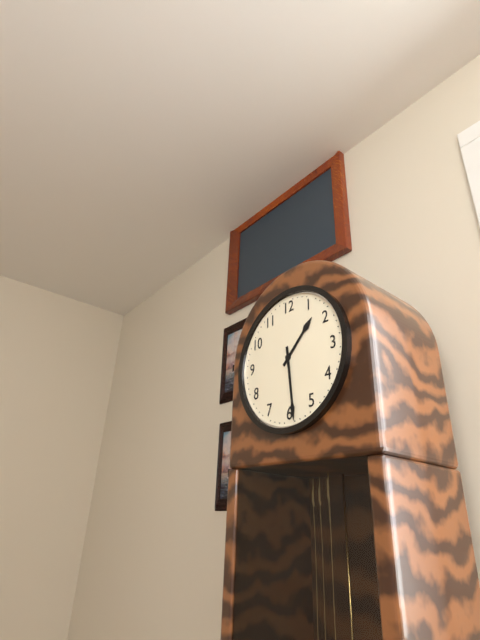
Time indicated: 1:29
